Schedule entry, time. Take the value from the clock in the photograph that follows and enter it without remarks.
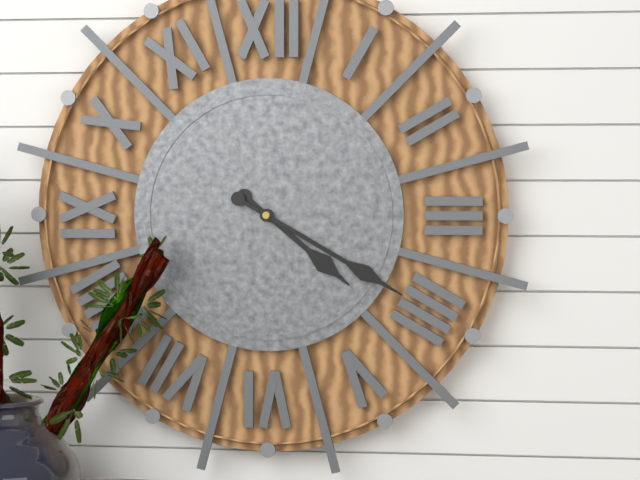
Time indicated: 4:20
